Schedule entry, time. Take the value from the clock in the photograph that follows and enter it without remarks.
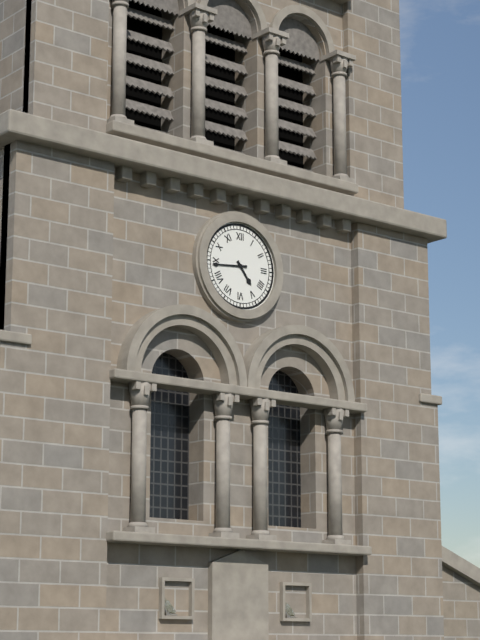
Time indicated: 4:44
